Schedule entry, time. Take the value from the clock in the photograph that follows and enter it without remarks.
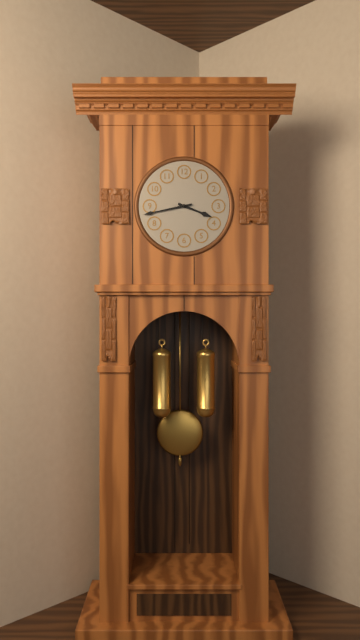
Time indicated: 3:43
